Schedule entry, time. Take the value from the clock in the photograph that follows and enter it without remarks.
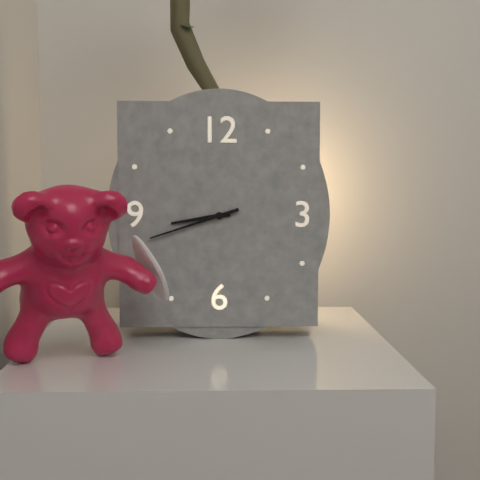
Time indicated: 8:42
